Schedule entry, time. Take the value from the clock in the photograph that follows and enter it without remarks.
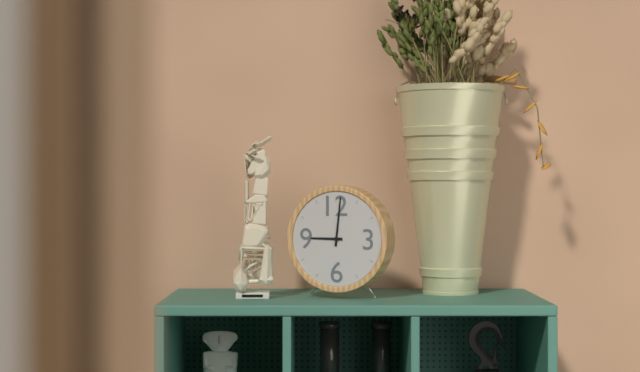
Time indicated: 9:01
